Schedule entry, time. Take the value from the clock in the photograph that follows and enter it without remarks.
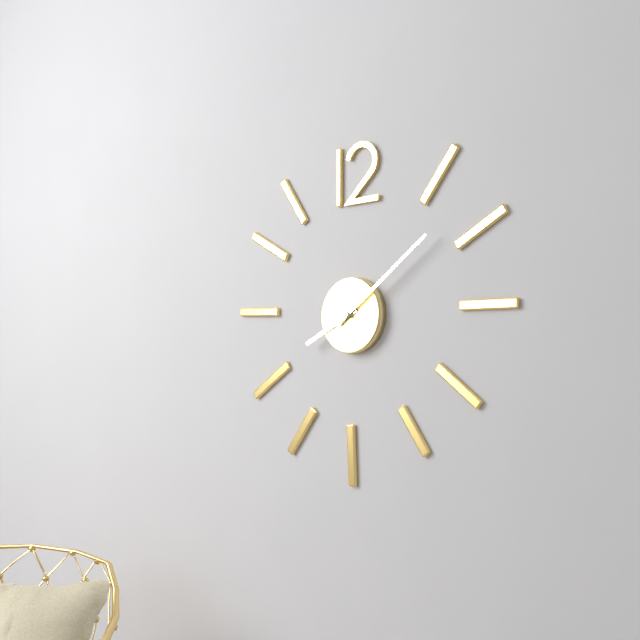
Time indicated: 8:09
